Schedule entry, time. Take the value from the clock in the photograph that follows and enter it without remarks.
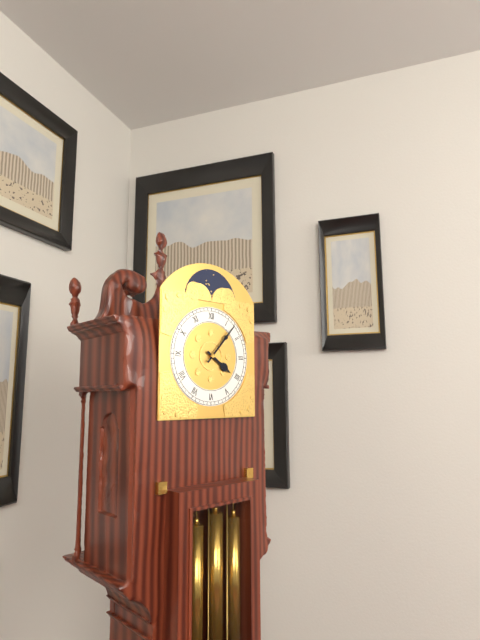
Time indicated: 4:07
